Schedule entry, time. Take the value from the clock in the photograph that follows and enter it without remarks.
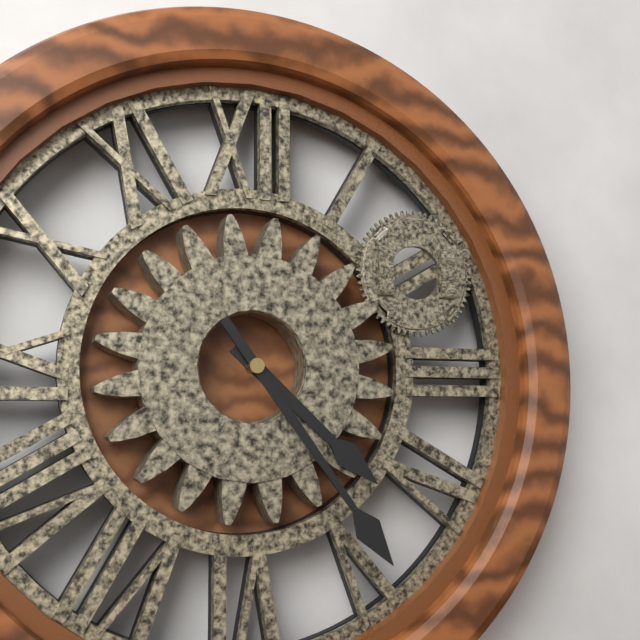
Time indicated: 4:24
